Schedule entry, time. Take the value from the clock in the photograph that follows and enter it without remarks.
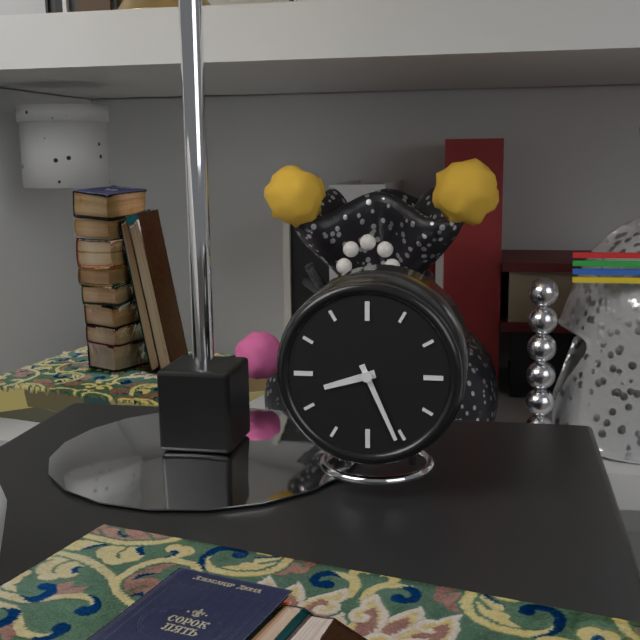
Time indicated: 8:26
